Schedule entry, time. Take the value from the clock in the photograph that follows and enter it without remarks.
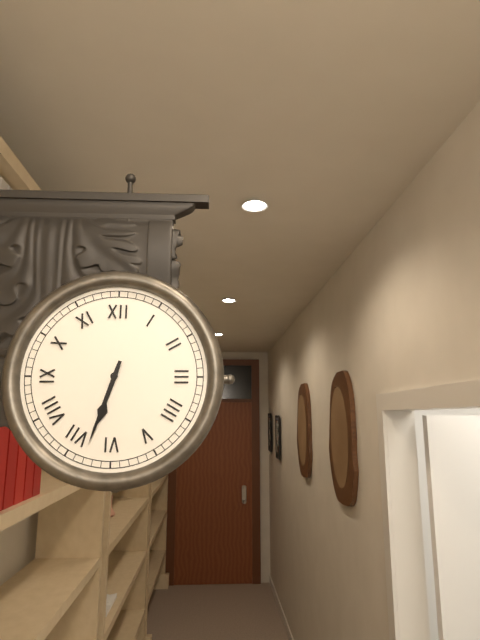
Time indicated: 6:33
